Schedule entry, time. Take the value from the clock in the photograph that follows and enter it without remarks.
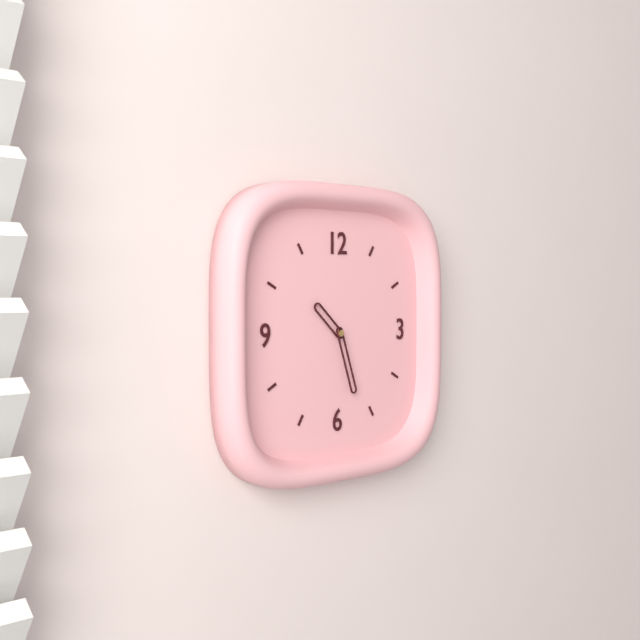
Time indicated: 10:27
